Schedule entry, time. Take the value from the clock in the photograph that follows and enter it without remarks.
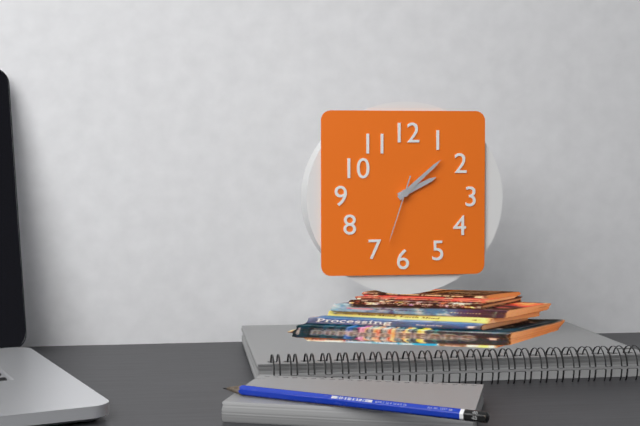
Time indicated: 2:08:33
